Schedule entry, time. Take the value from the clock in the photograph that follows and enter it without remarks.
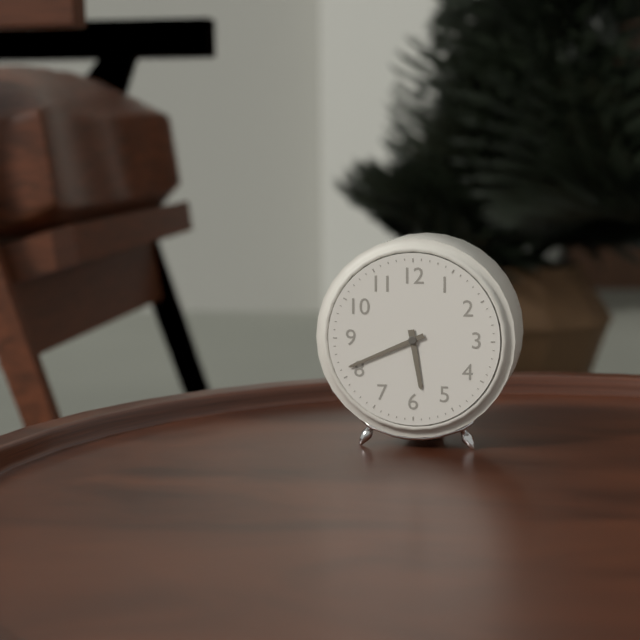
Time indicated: 5:41
